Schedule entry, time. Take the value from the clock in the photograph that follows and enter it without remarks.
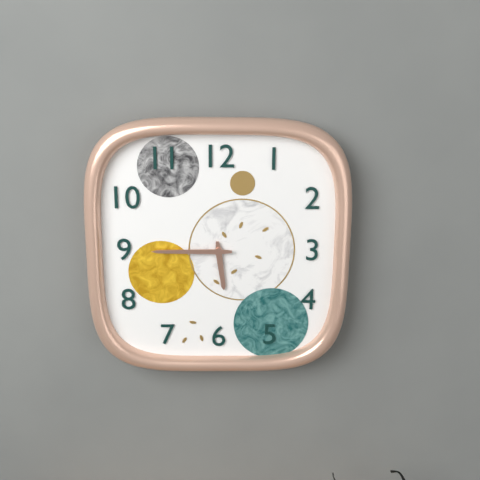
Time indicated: 5:45
